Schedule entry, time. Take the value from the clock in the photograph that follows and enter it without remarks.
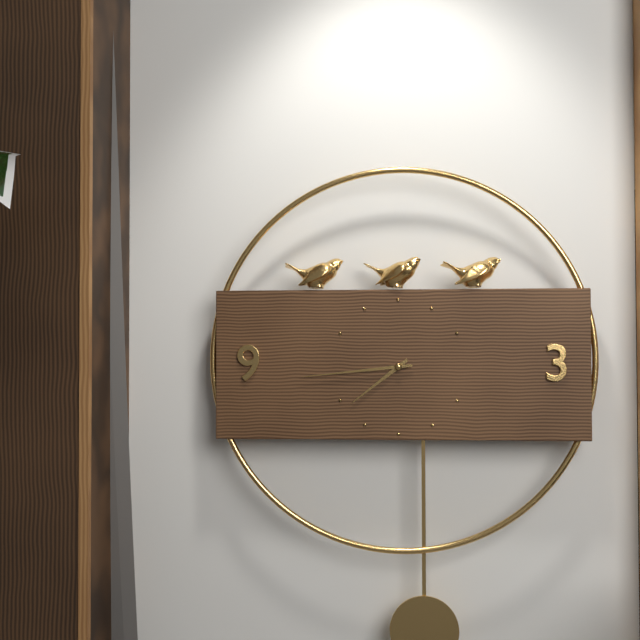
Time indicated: 7:44
